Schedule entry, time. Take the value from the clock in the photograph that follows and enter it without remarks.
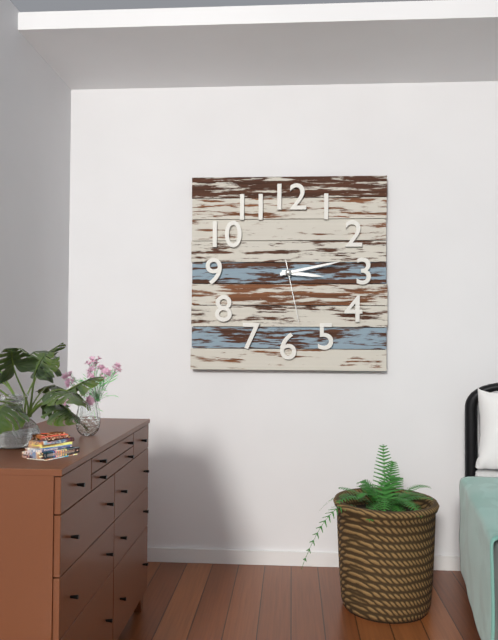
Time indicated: 3:13:28
